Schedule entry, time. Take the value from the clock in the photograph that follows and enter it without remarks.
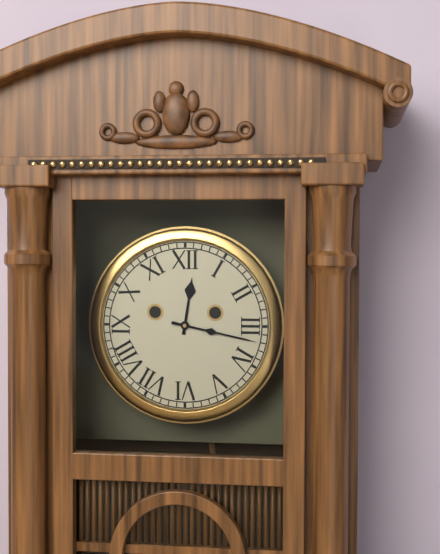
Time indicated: 12:17
